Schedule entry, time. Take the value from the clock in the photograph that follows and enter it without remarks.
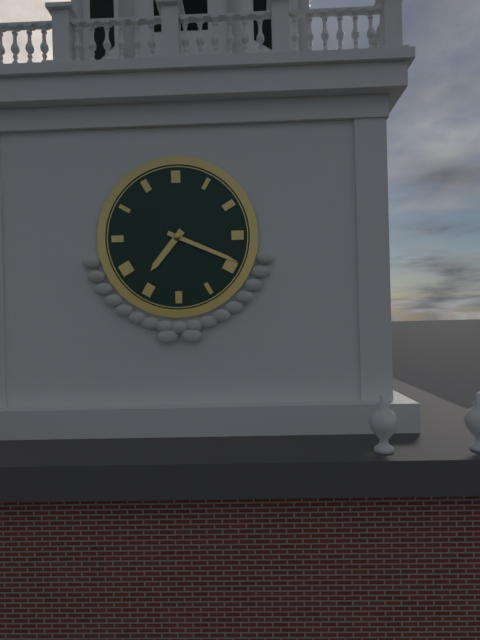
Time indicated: 7:19
